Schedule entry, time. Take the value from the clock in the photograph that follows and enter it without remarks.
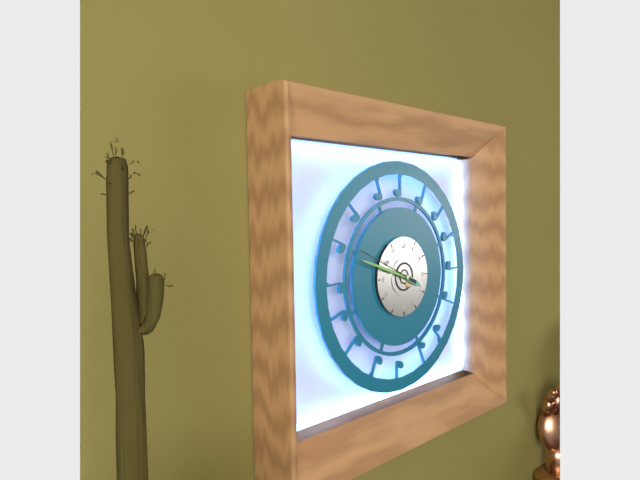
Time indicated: 3:48:49
